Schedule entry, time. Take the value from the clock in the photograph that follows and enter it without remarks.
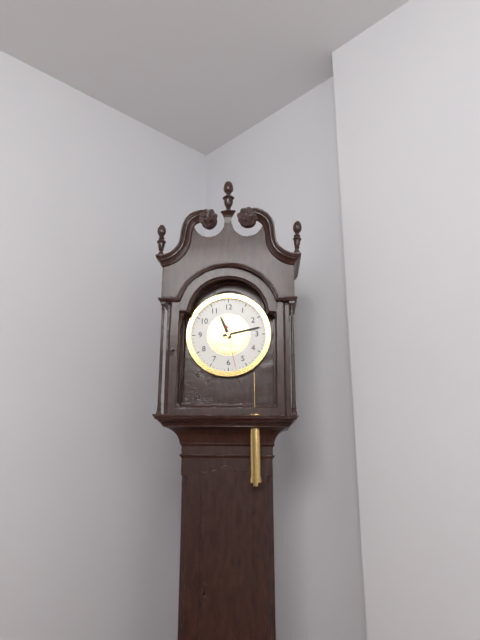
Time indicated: 11:13
